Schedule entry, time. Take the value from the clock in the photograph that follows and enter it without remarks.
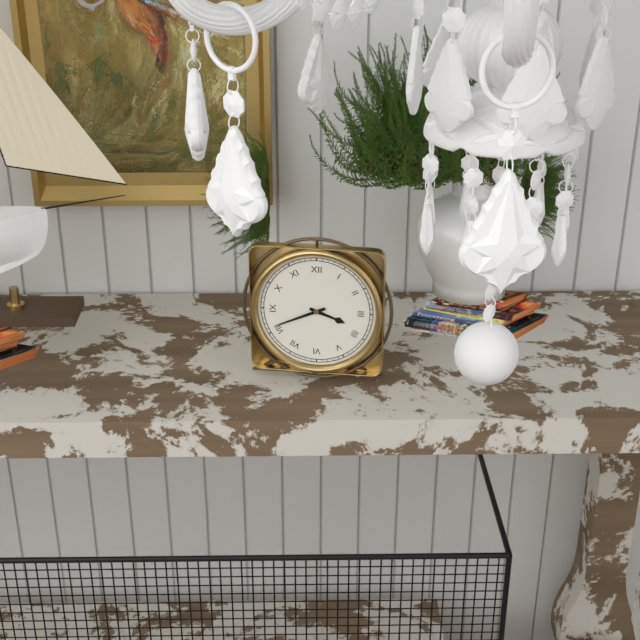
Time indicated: 3:41
